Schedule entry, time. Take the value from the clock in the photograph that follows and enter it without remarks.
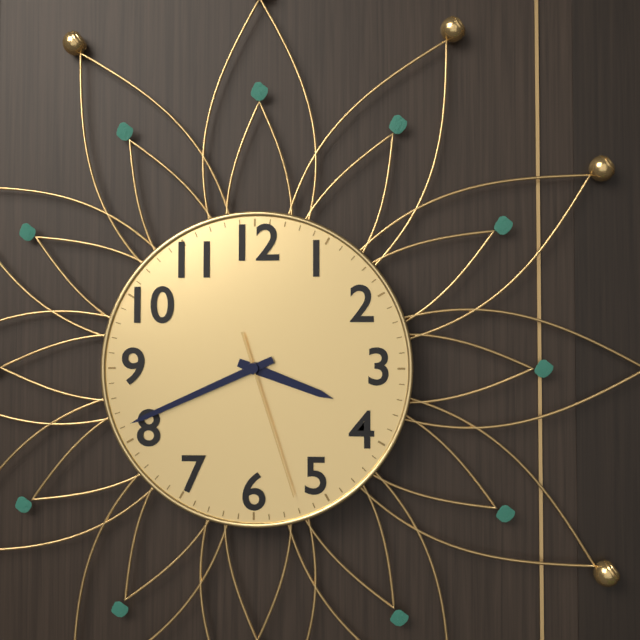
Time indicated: 3:41:27
